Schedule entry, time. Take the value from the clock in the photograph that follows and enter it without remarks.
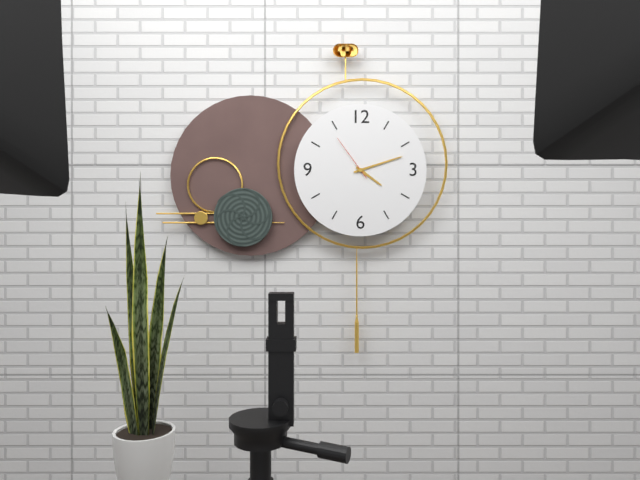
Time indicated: 4:12
